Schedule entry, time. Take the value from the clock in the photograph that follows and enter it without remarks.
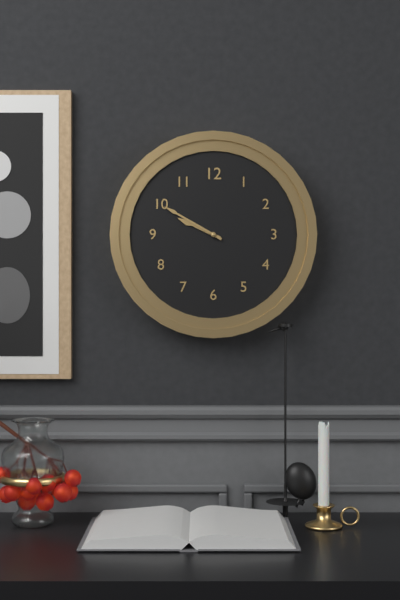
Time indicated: 9:50
